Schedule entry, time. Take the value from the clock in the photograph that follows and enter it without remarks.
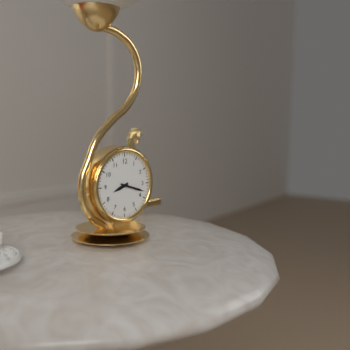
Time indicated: 8:18
